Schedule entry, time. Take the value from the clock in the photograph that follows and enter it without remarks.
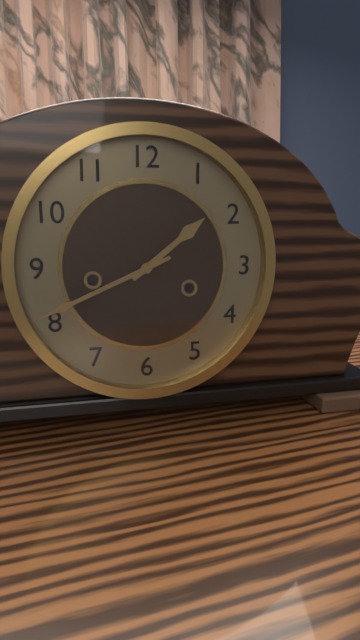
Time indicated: 1:41
